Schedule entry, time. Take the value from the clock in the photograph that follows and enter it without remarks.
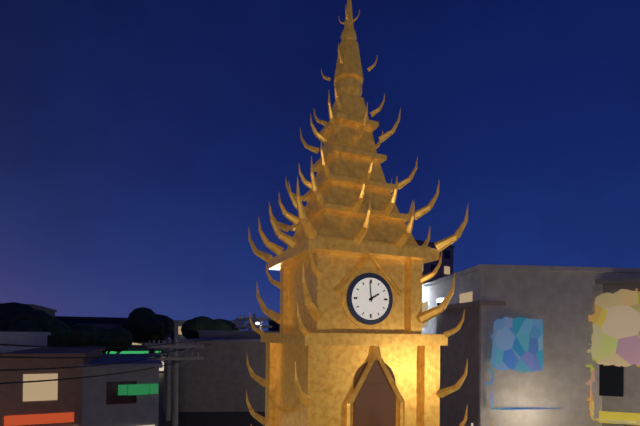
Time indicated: 1:59
